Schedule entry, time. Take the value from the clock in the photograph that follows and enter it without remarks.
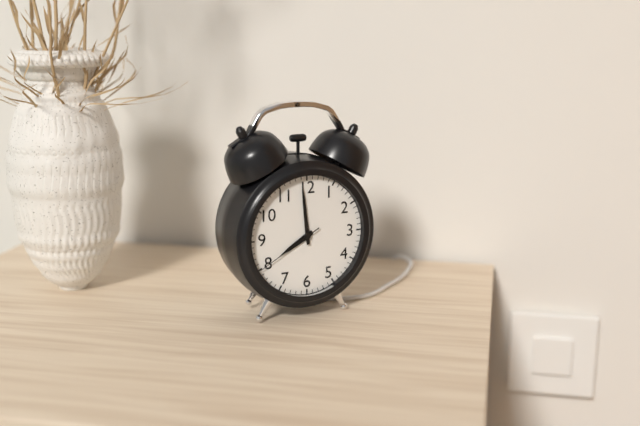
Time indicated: 7:59:40
